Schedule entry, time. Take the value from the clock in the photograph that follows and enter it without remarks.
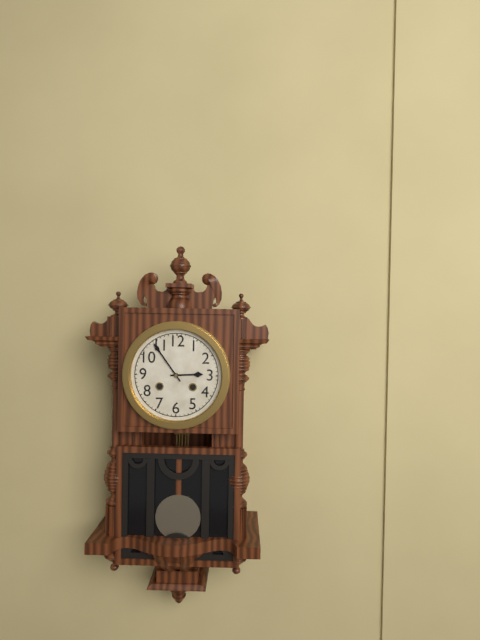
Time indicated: 2:54
